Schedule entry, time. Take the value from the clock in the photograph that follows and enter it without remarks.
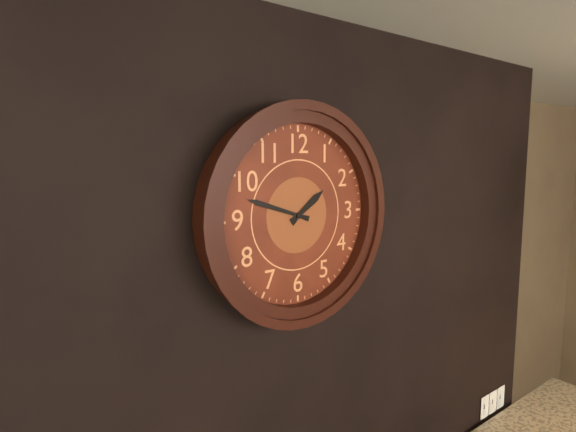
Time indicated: 1:48
